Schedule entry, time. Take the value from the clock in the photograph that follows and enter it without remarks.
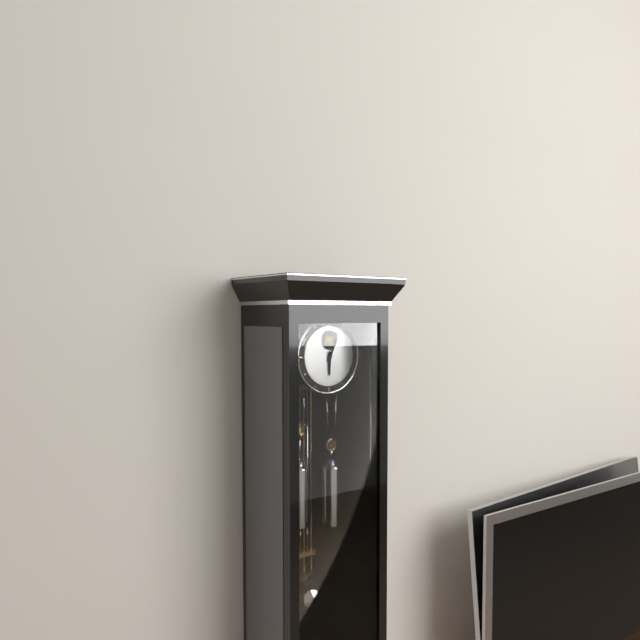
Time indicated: 6:04
